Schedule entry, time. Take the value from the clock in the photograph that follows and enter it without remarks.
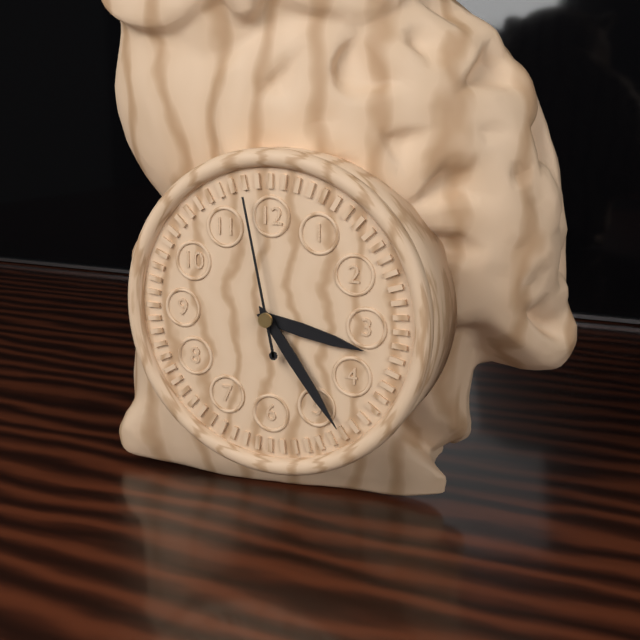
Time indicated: 3:24:58
